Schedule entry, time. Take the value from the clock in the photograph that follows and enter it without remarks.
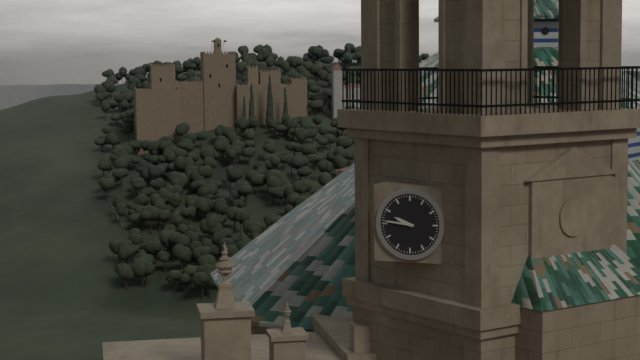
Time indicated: 9:46
